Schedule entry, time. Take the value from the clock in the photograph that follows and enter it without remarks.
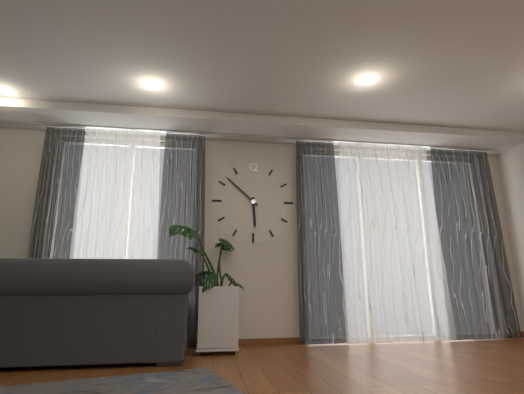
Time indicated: 5:52
